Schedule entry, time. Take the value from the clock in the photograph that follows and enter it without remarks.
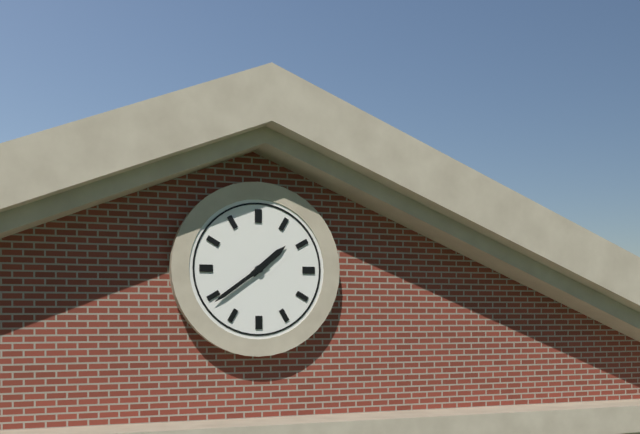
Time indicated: 1:39
